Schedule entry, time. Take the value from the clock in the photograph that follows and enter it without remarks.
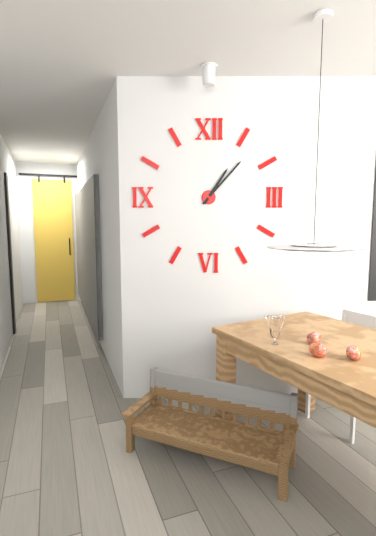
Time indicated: 1:07
